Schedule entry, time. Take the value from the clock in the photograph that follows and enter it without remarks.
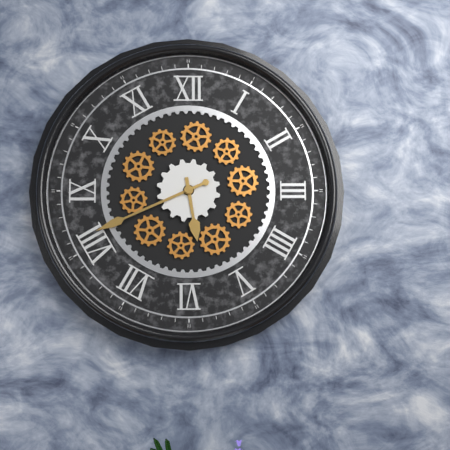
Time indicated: 5:41
